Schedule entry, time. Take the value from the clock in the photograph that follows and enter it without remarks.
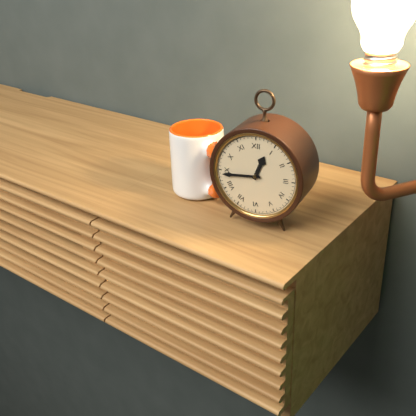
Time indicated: 12:44
